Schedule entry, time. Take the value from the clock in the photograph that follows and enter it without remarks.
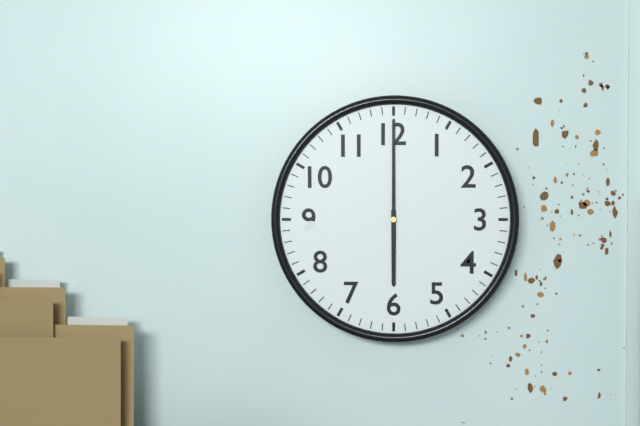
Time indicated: 6:00
